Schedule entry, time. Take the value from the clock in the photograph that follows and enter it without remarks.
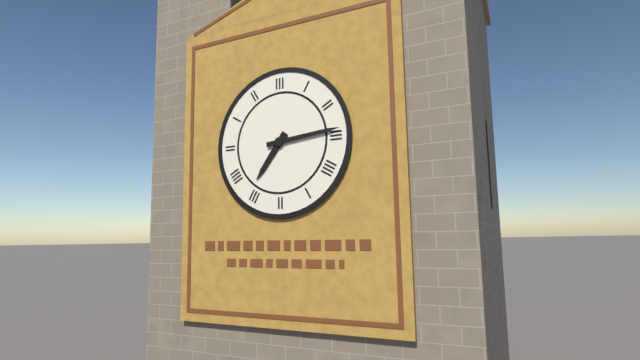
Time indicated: 7:14
